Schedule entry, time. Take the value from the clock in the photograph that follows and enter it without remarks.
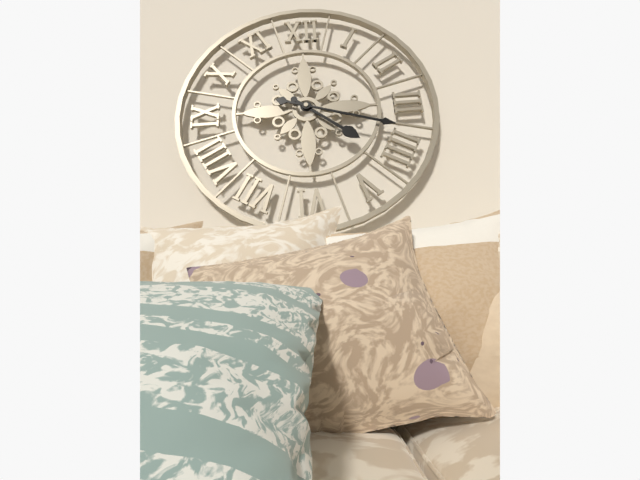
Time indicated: 4:18
